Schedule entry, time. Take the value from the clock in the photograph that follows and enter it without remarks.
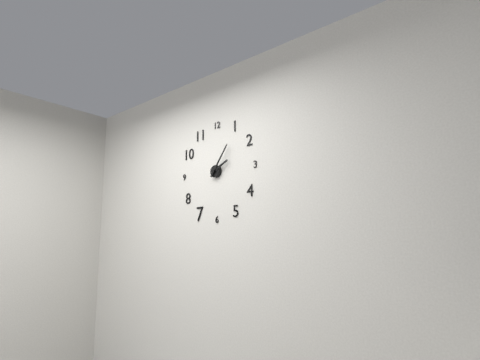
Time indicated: 2:06
